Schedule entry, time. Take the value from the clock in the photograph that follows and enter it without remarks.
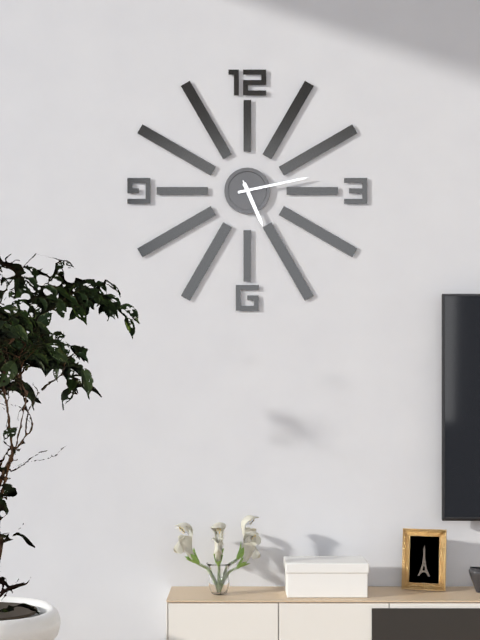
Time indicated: 5:13
